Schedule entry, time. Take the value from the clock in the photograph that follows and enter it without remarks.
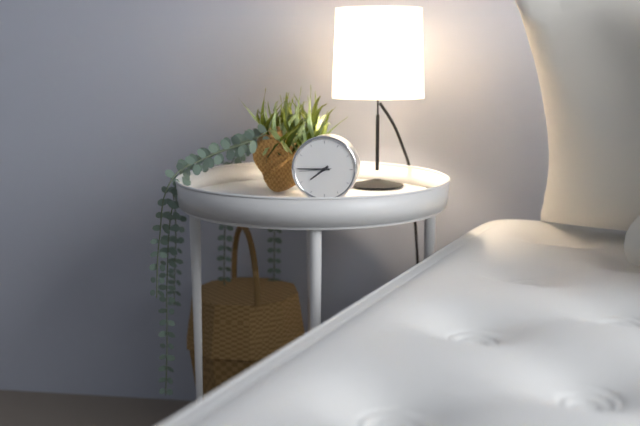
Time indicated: 7:45
